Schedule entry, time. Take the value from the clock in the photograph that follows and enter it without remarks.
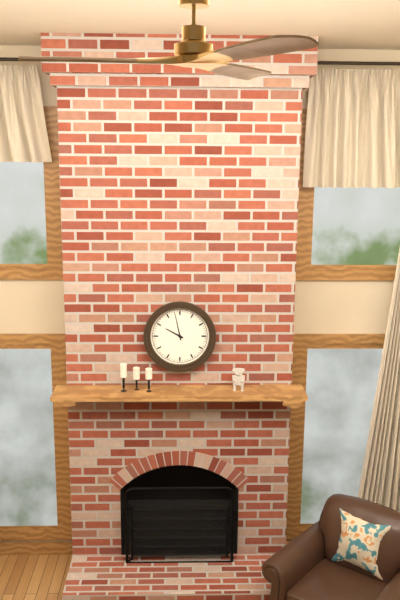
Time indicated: 9:58
